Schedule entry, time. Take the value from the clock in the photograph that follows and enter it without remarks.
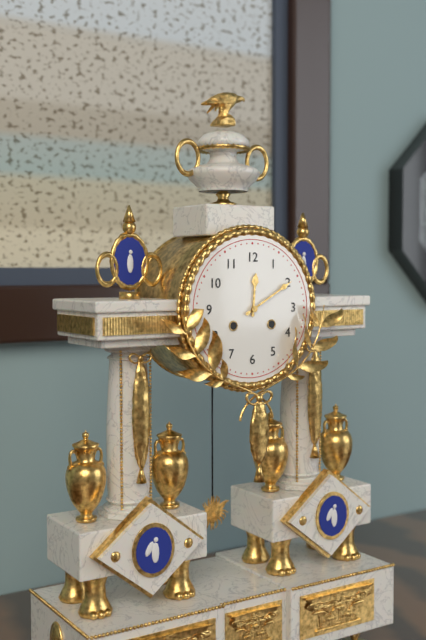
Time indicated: 12:10
